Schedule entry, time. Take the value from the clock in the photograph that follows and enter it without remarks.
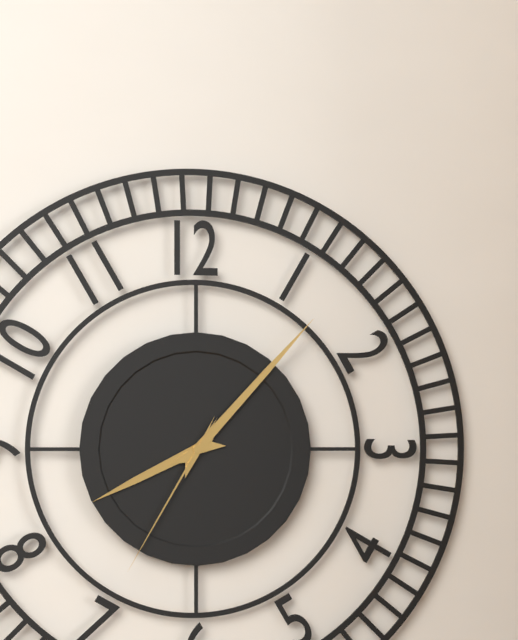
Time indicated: 8:07:35
